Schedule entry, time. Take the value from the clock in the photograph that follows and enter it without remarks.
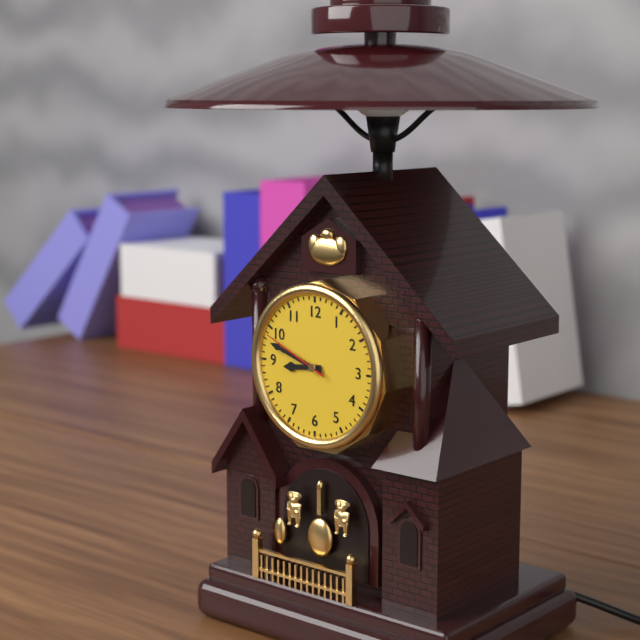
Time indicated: 8:48:49
